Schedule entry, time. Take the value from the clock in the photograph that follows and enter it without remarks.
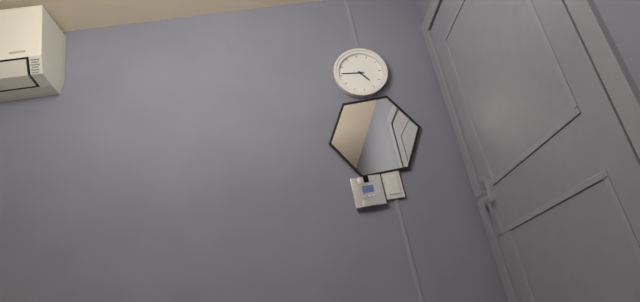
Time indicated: 4:46
